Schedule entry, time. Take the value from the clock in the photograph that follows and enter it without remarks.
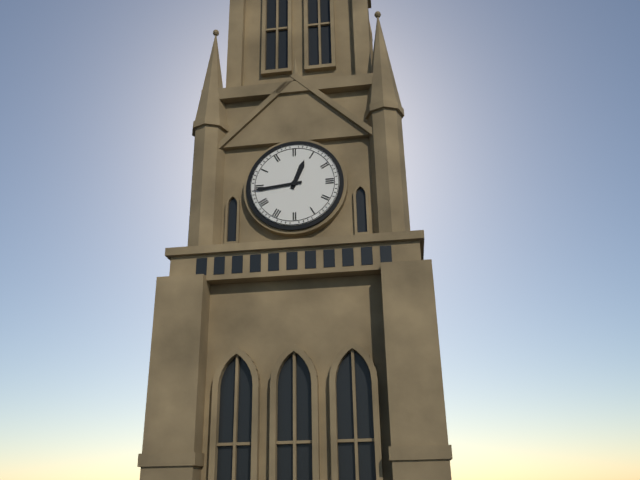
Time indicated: 12:44
